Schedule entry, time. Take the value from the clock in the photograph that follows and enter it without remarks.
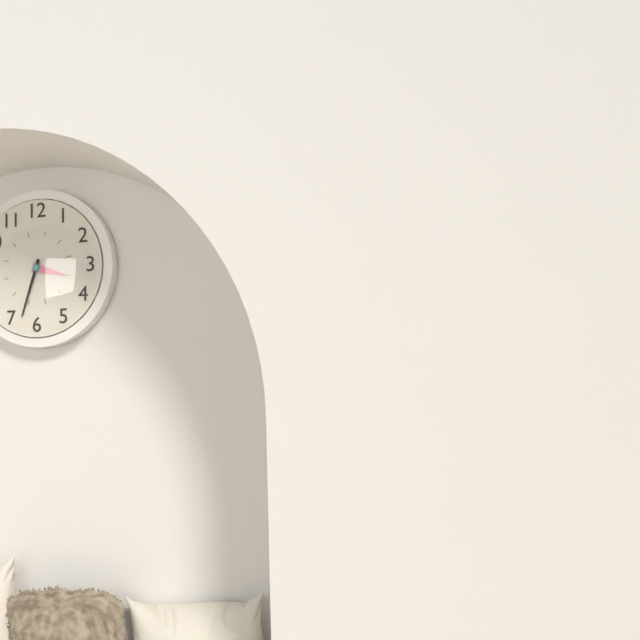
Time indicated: 3:33
